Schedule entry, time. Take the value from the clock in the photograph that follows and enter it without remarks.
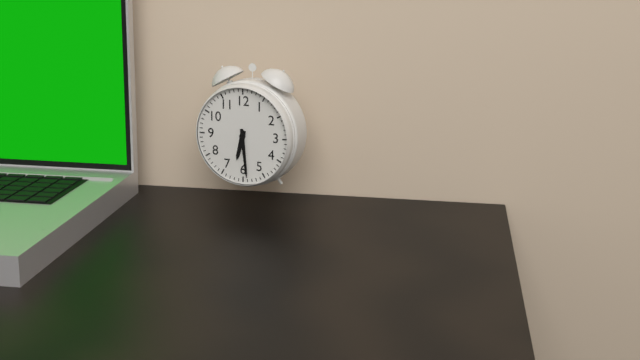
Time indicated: 6:29
